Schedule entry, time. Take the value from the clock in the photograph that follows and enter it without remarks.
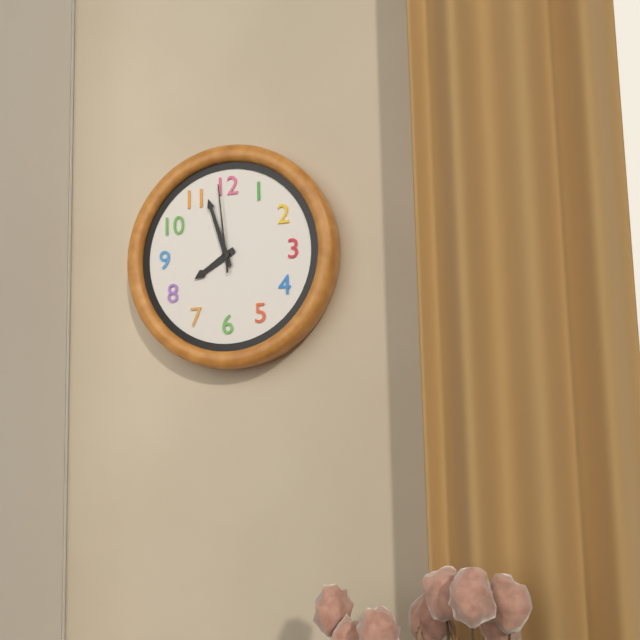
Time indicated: 7:57:59
